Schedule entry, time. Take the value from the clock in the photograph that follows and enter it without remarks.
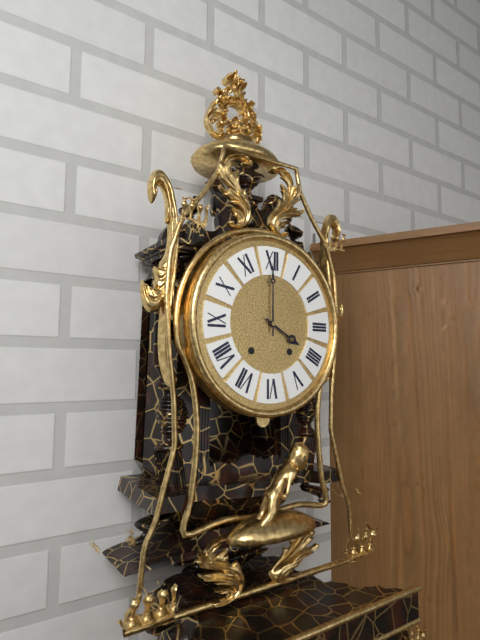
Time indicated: 4:00
